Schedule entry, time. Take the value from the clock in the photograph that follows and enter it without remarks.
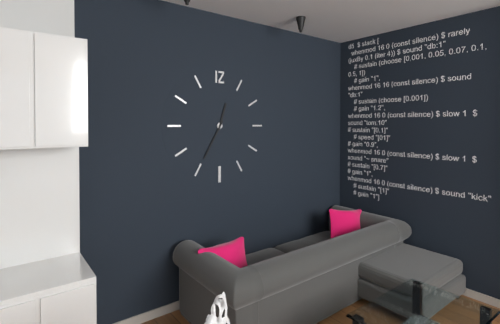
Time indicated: 12:35
